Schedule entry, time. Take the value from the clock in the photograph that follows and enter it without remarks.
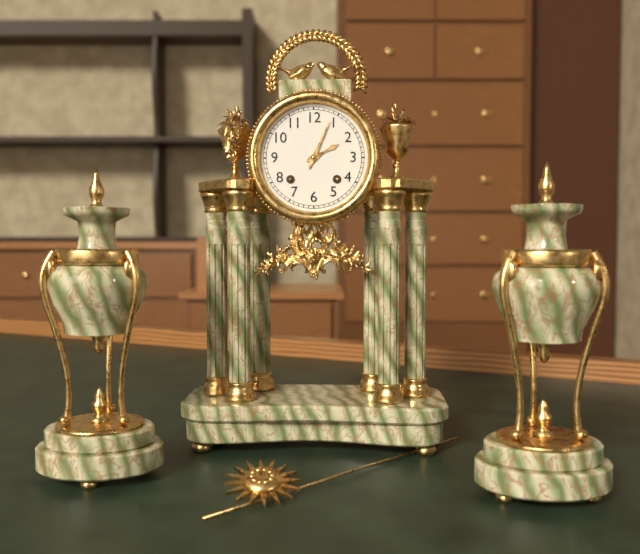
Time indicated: 2:04
